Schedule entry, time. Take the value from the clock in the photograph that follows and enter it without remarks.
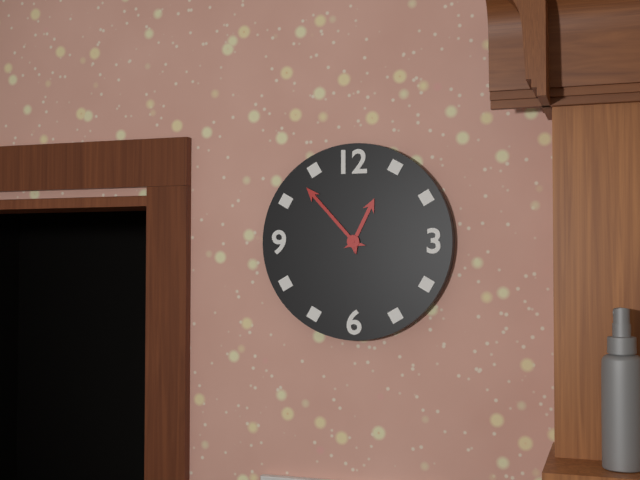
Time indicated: 12:53
